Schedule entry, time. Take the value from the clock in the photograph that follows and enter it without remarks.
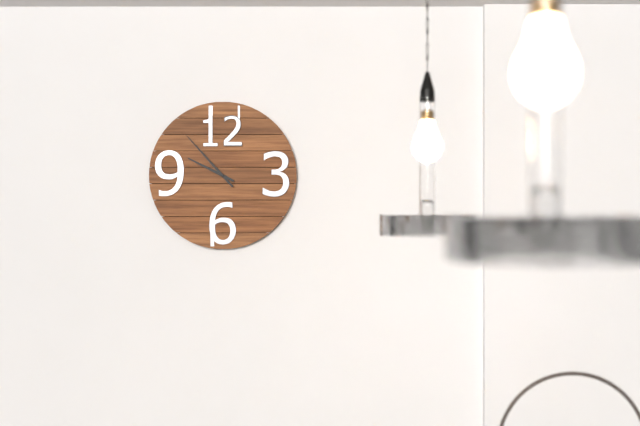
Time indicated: 9:53
